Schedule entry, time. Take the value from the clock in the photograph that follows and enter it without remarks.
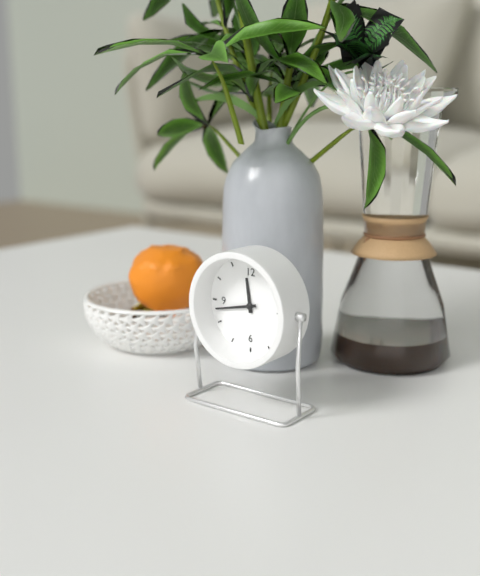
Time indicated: 11:43
